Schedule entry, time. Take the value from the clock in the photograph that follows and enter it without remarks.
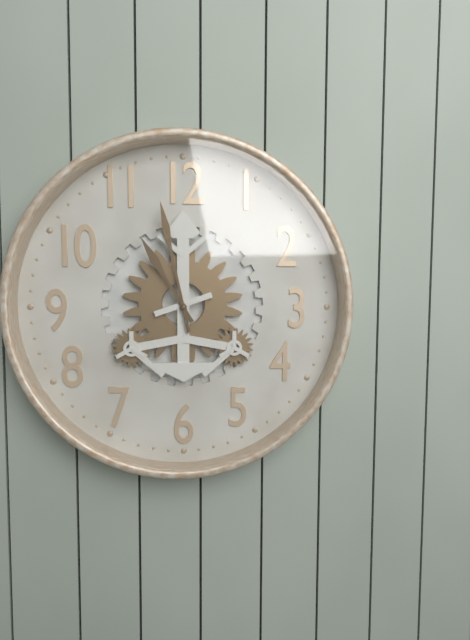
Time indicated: 10:58
